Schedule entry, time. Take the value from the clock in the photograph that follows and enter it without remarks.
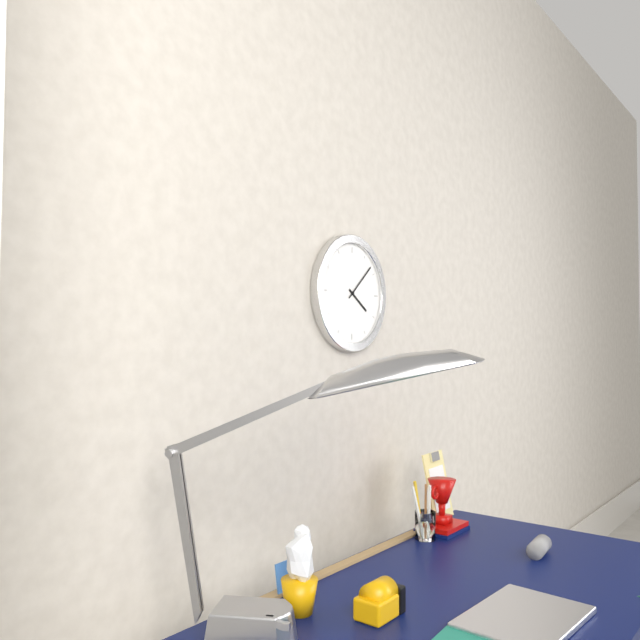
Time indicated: 4:08
